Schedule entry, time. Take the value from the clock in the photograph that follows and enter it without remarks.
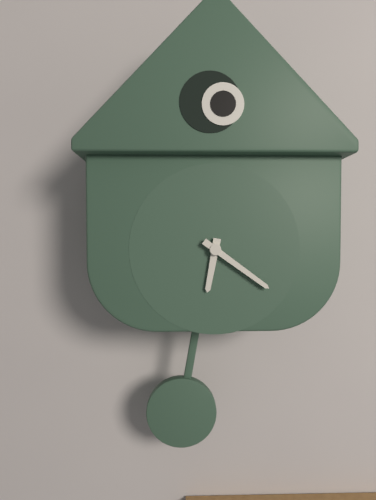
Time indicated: 6:21
